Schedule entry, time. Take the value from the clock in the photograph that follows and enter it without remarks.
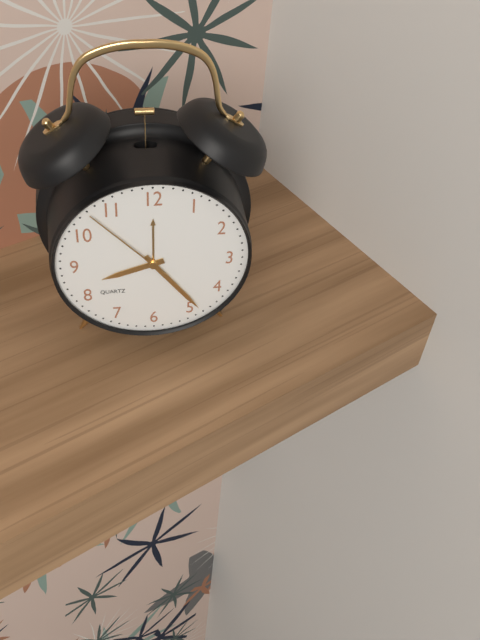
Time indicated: 8:24:53
